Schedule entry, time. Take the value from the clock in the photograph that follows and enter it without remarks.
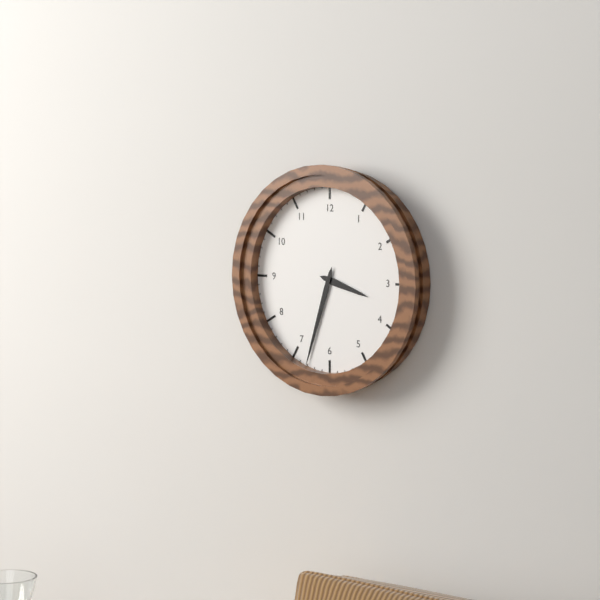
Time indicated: 3:33
